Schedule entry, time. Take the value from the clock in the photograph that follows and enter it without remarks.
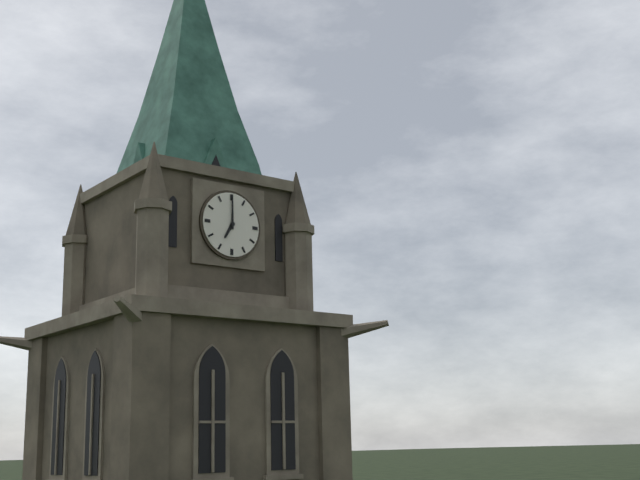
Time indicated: 7:00
